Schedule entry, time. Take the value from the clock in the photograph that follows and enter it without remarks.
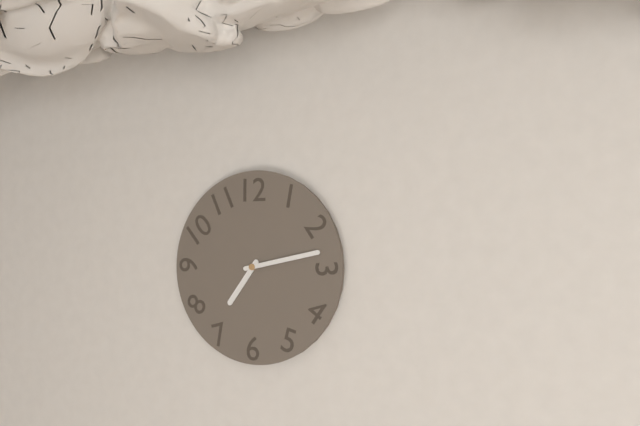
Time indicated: 7:13
